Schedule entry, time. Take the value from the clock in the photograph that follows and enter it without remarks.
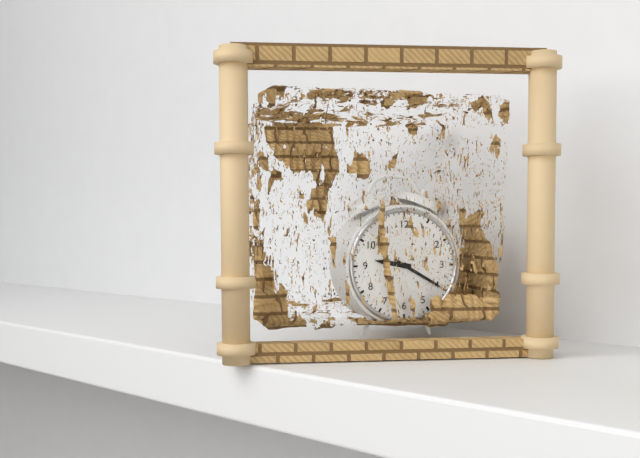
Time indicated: 9:20
